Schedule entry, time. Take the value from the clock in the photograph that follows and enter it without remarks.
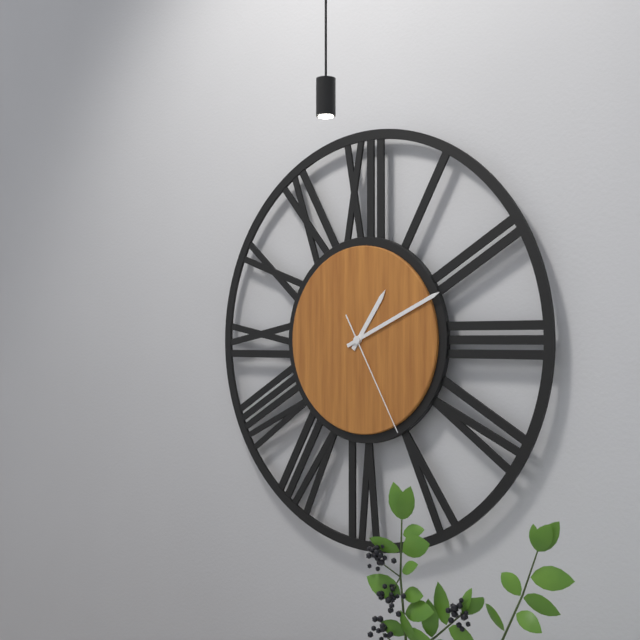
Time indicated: 1:11:25
